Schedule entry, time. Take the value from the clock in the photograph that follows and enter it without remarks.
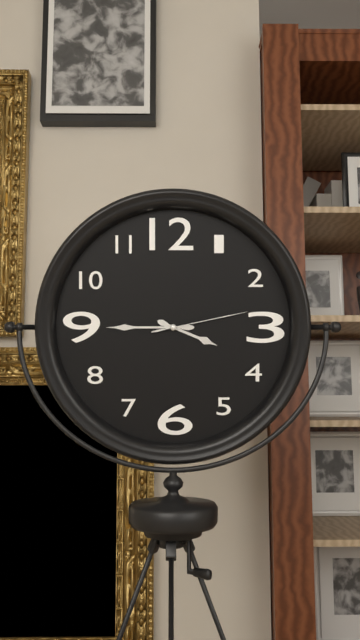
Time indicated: 3:45:13
